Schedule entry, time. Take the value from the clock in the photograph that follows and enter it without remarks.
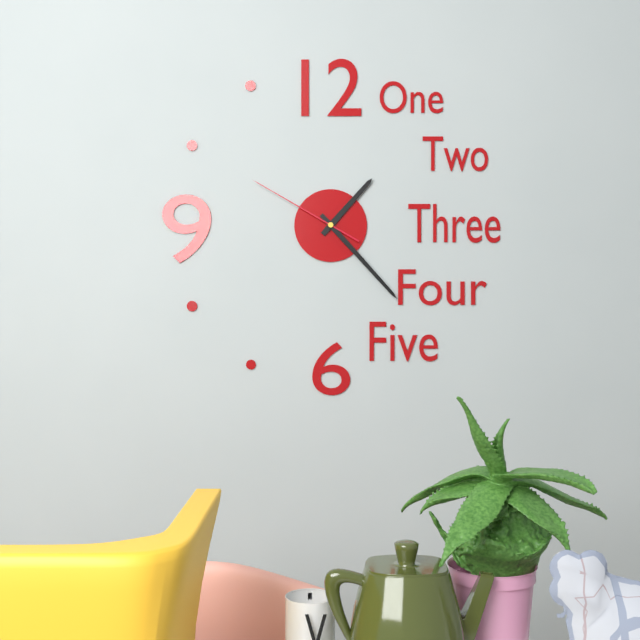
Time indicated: 1:23:50
